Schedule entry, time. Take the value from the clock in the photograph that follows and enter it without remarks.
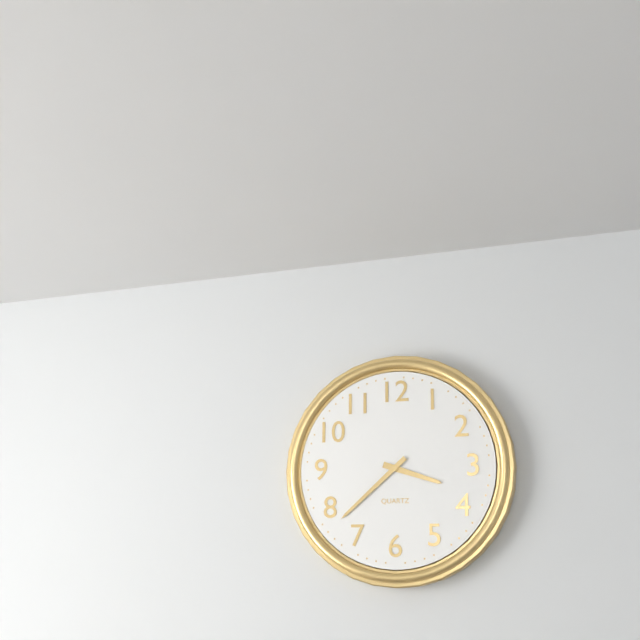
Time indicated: 3:38
